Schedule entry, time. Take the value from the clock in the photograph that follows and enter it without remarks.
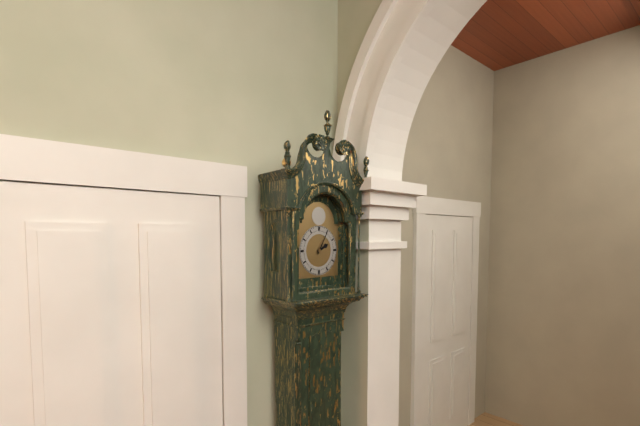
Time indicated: 2:05
